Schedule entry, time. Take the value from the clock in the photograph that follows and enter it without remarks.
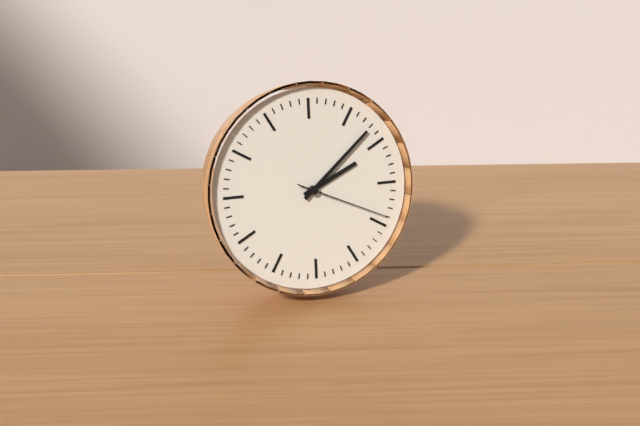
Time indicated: 2:08:19
